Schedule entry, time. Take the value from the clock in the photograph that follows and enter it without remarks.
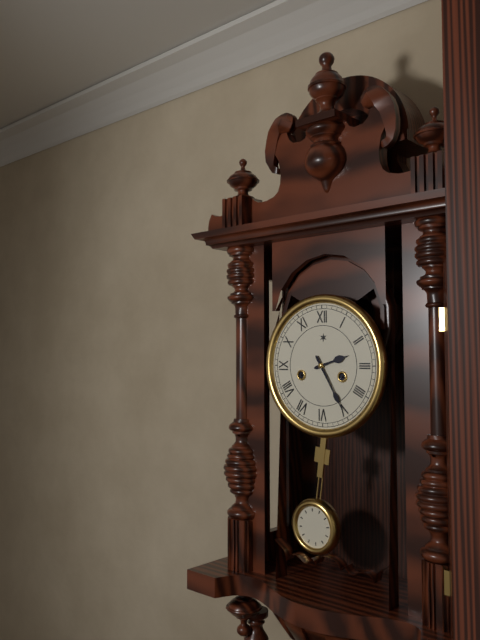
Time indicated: 2:25
